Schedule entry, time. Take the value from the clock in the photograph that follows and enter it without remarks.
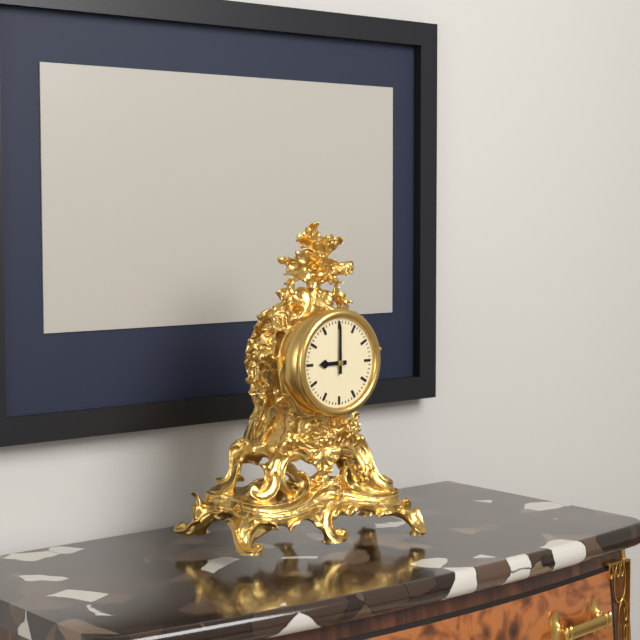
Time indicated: 9:00
